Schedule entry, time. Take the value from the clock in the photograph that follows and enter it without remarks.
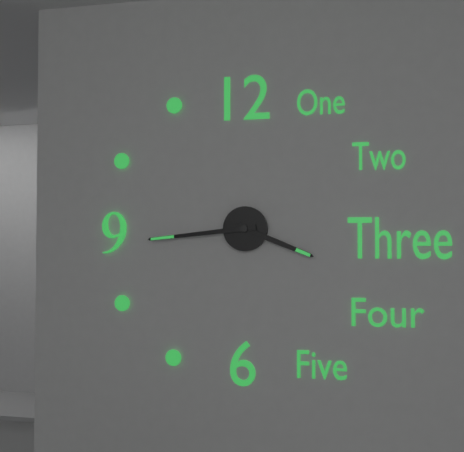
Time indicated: 3:44
